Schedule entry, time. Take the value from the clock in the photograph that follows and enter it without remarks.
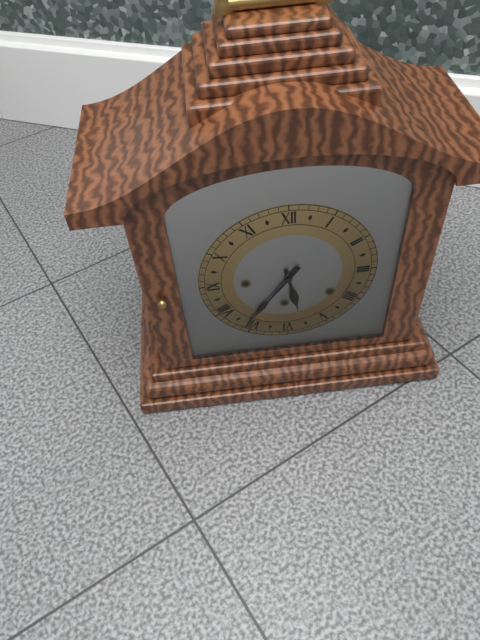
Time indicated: 5:36
